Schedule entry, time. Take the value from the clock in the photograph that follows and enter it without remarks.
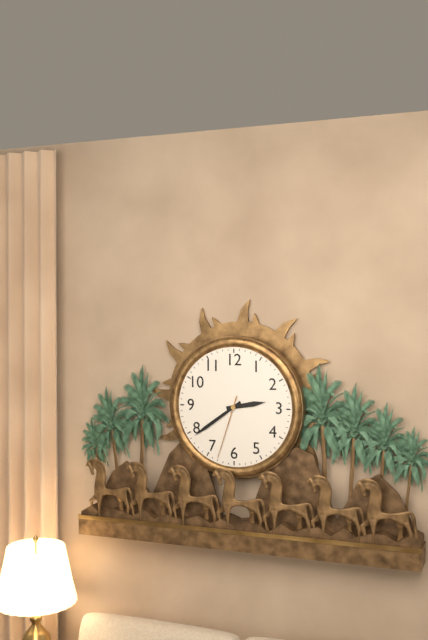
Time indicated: 2:39:33
